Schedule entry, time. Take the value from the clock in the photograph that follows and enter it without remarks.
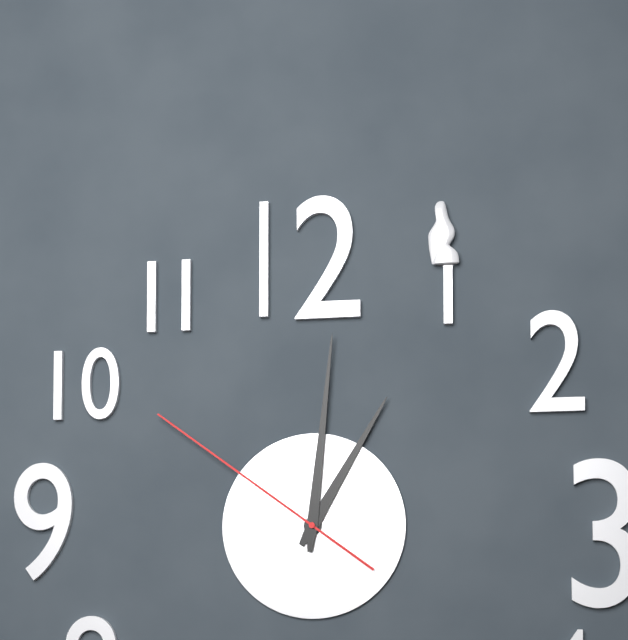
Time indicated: 1:01:51
